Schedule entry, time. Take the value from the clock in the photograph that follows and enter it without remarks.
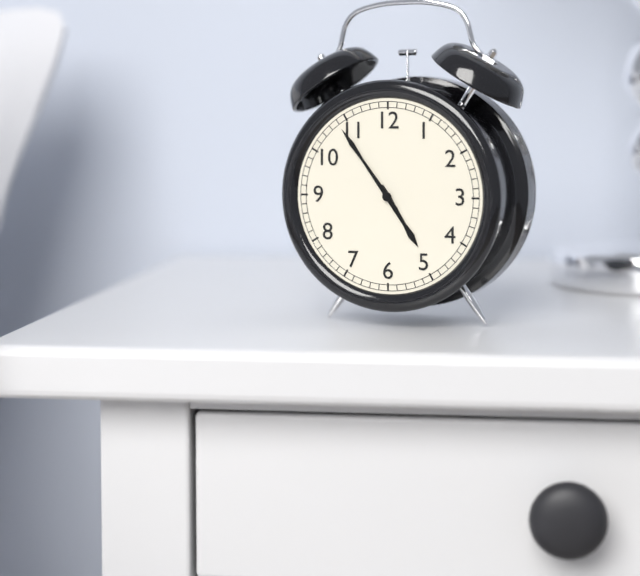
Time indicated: 4:54
